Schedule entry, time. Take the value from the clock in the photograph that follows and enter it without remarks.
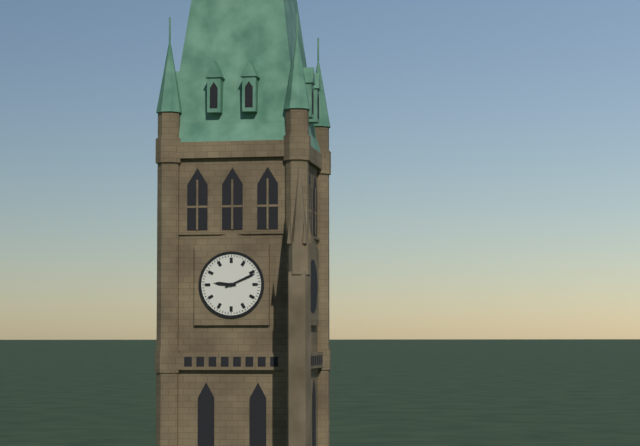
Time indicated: 9:11
